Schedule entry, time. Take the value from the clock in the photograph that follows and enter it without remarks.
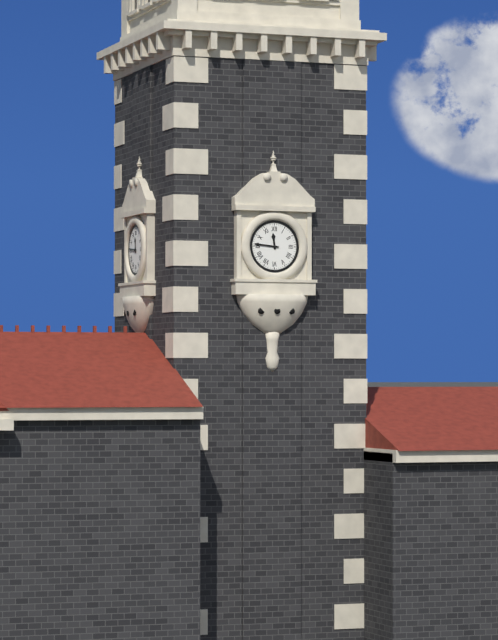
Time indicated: 11:46
